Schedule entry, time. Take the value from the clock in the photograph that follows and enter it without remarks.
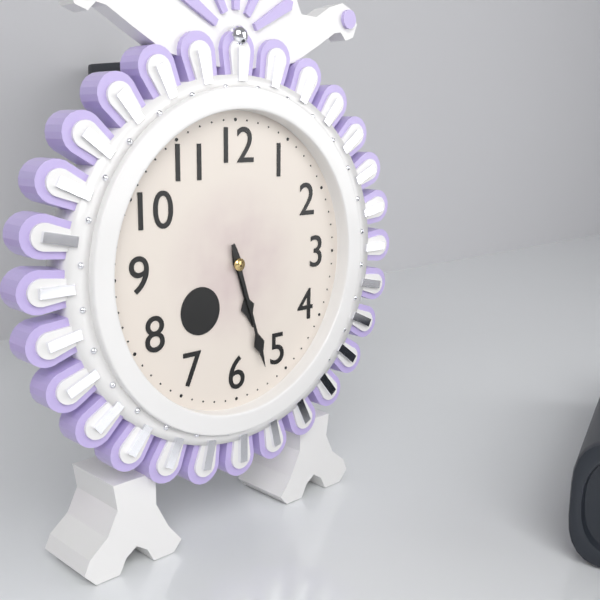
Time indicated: 5:27
